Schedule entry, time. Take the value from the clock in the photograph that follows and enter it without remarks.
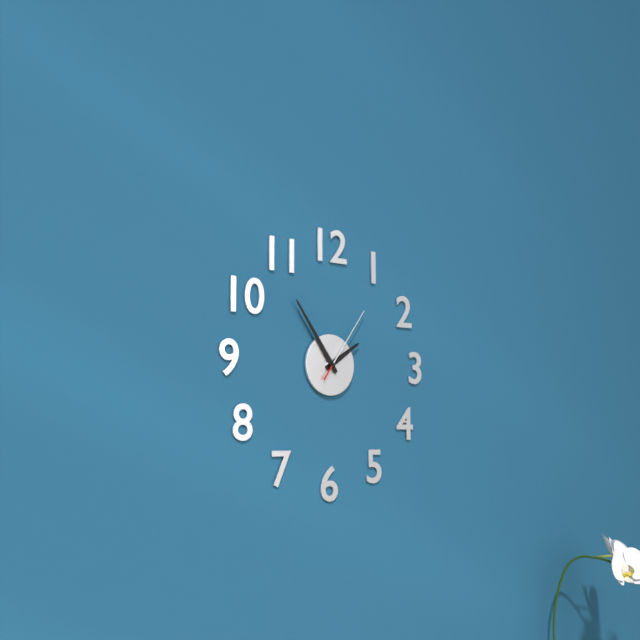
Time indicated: 1:54:06
